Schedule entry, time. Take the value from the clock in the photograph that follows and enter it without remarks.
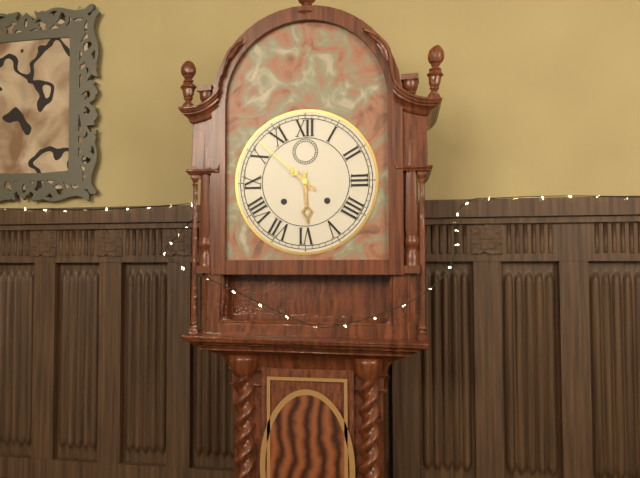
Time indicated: 5:52
